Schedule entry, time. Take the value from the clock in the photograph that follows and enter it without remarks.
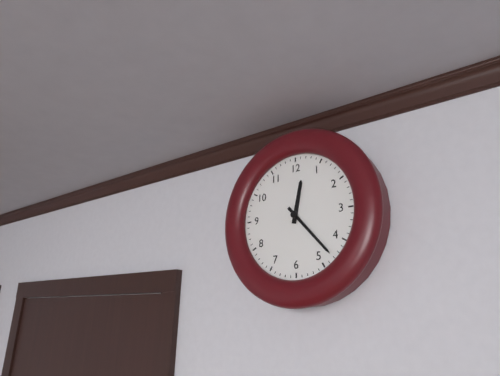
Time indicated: 12:23
